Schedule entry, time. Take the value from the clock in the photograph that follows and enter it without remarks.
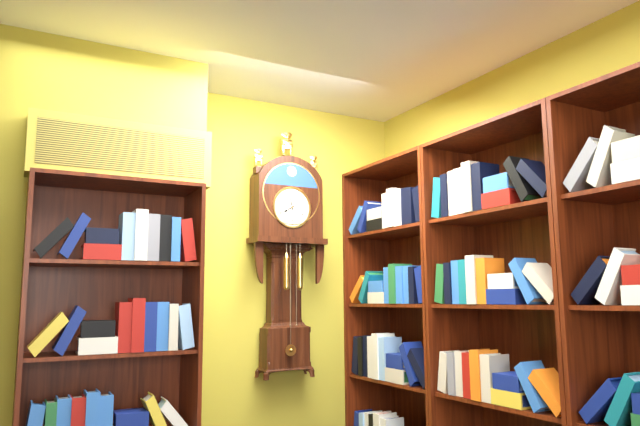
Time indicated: 7:58
